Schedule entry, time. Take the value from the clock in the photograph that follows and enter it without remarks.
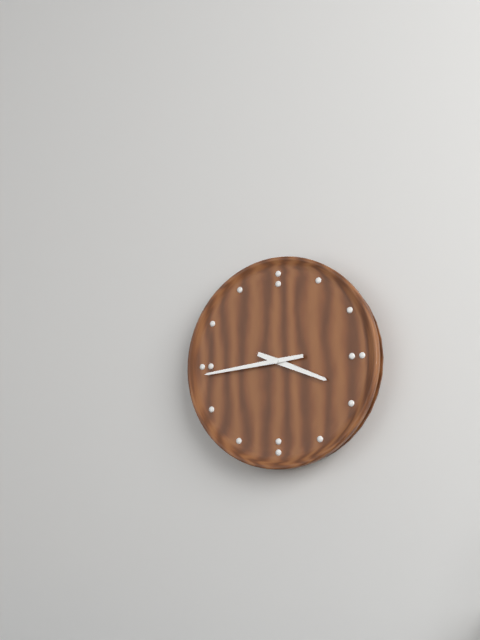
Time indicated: 3:44
